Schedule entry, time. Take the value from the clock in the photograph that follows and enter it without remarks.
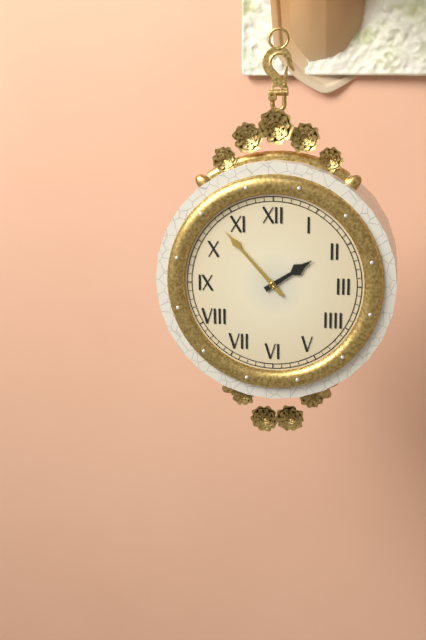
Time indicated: 1:53
